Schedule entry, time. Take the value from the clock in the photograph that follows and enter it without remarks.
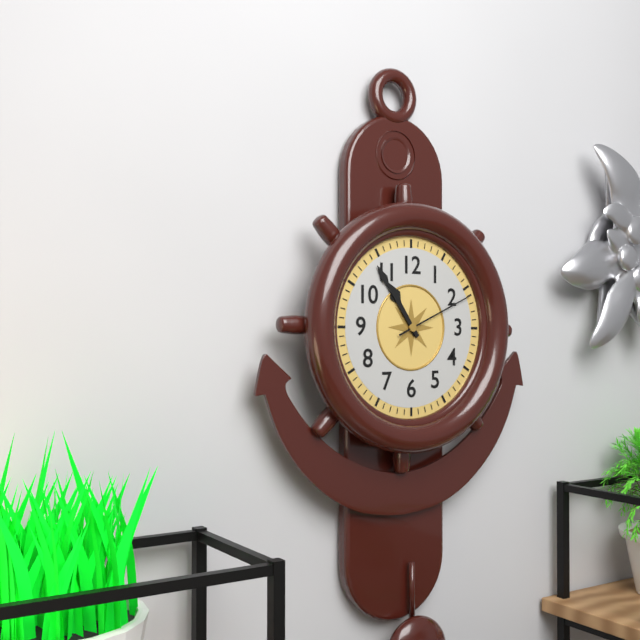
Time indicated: 10:54:11
